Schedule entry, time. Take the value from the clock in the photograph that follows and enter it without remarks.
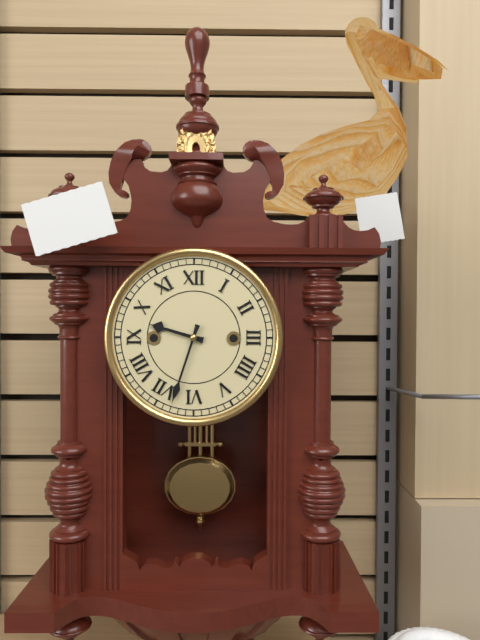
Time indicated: 9:33
